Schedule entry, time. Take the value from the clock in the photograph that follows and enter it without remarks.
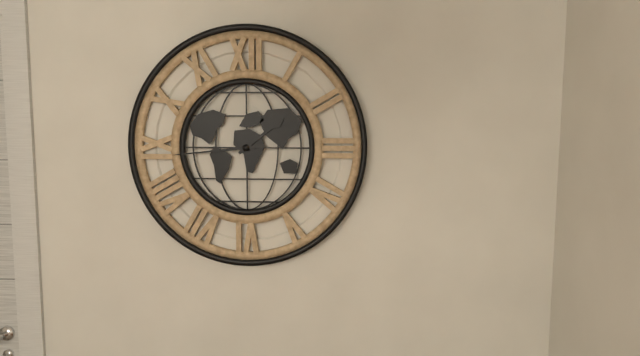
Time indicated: 1:44
